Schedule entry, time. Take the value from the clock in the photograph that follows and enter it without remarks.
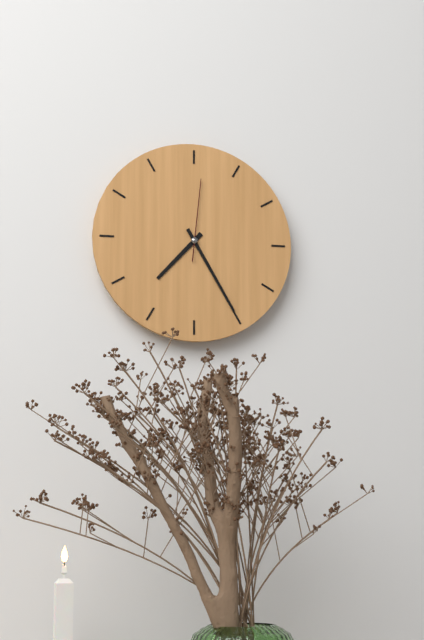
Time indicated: 7:25:01
